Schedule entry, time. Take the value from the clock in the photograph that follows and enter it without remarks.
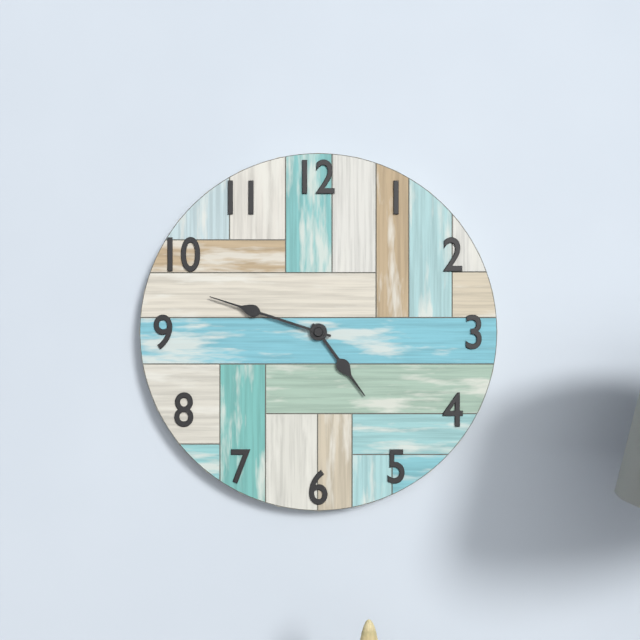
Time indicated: 4:48
